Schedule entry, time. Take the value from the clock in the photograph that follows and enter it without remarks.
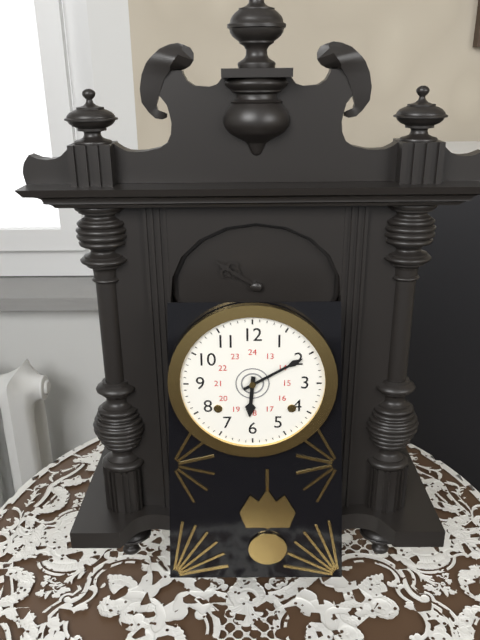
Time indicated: 6:10
